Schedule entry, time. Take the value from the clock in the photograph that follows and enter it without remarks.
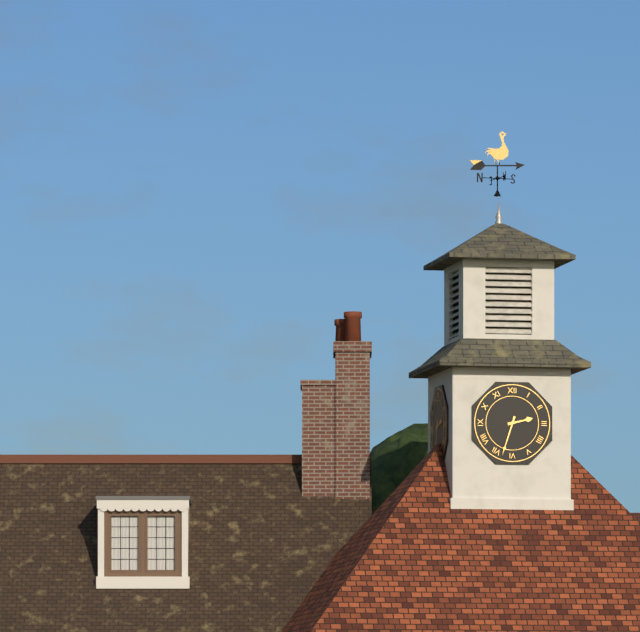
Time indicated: 2:33
